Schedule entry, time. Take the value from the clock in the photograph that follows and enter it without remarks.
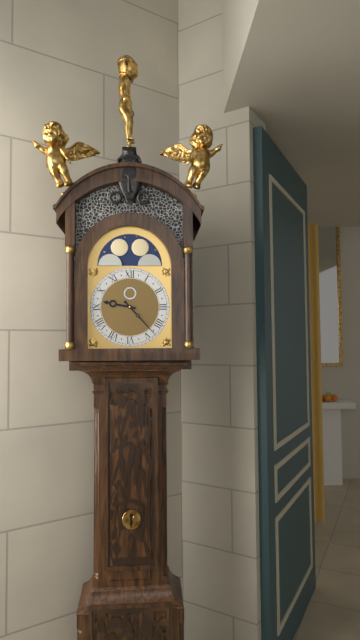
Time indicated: 9:23
